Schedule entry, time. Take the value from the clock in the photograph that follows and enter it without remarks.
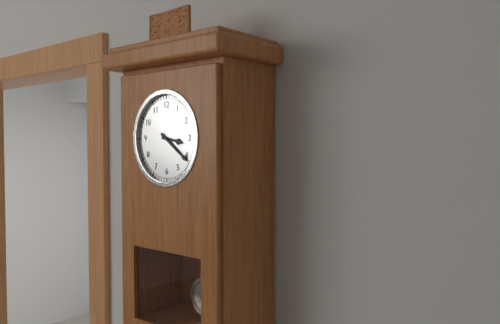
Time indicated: 3:21
